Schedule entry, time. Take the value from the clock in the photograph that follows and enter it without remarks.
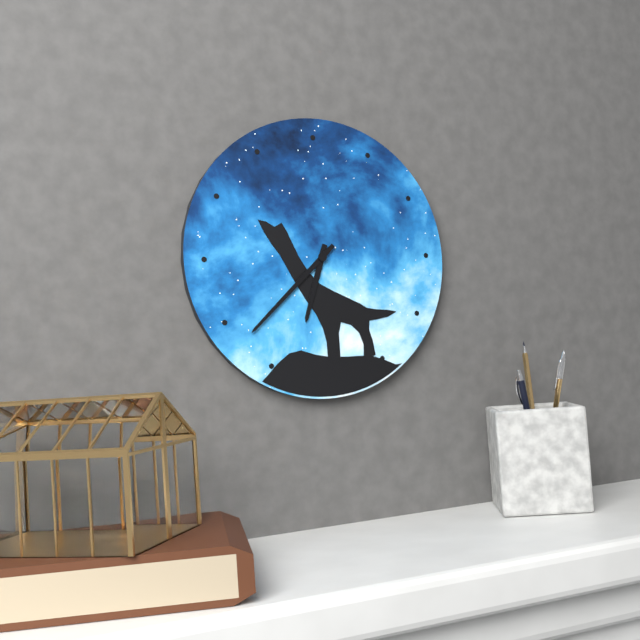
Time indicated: 6:38
